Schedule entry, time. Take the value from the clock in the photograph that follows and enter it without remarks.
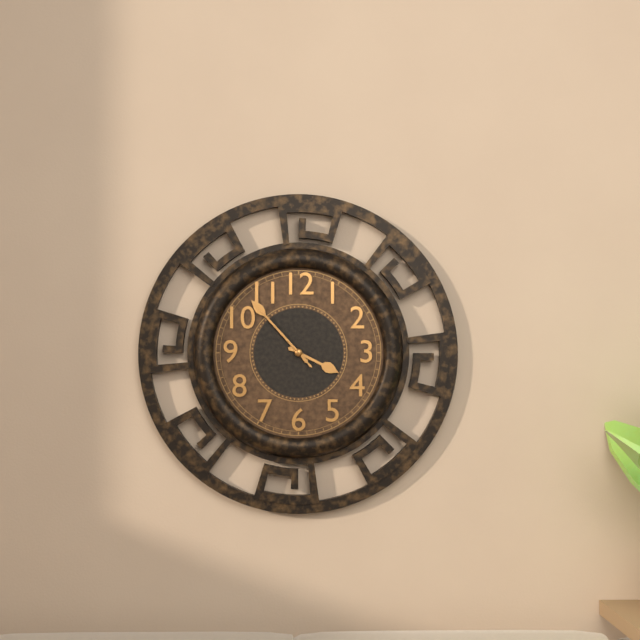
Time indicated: 3:53:53
